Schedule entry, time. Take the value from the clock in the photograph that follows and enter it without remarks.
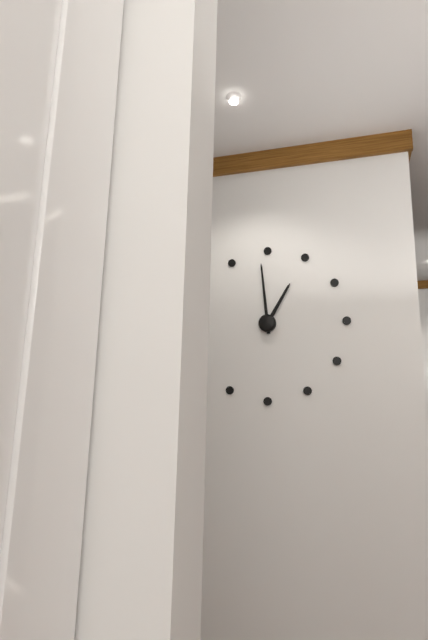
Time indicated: 12:59
